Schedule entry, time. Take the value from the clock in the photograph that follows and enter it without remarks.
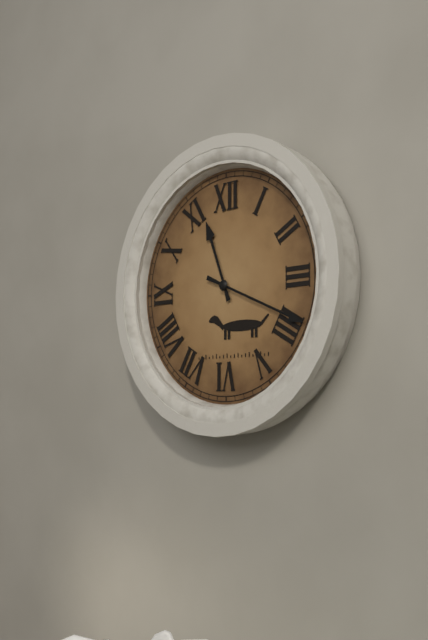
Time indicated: 11:19
